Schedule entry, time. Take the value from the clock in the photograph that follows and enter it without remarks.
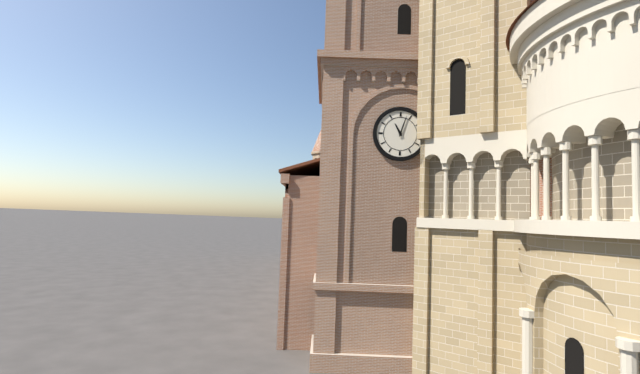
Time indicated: 11:03
